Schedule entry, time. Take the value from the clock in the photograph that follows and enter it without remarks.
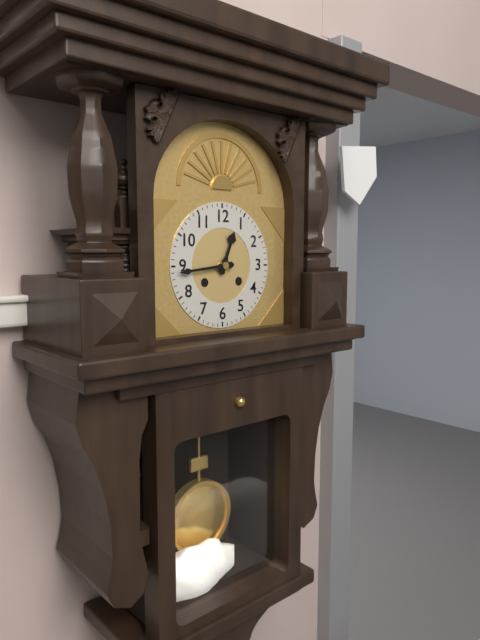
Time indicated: 12:44
